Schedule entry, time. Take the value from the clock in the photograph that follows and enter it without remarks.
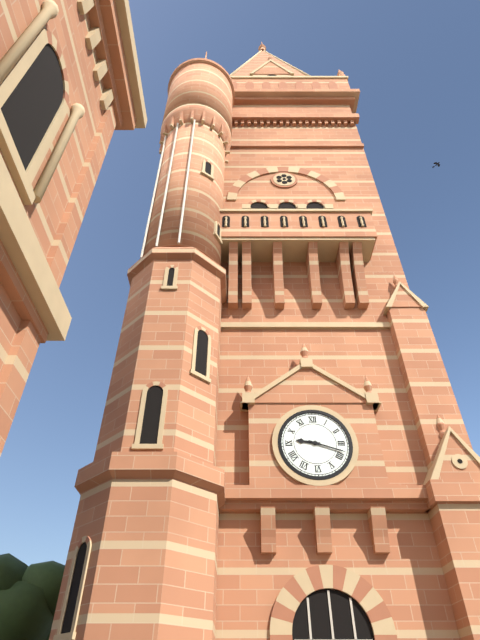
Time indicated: 9:18
